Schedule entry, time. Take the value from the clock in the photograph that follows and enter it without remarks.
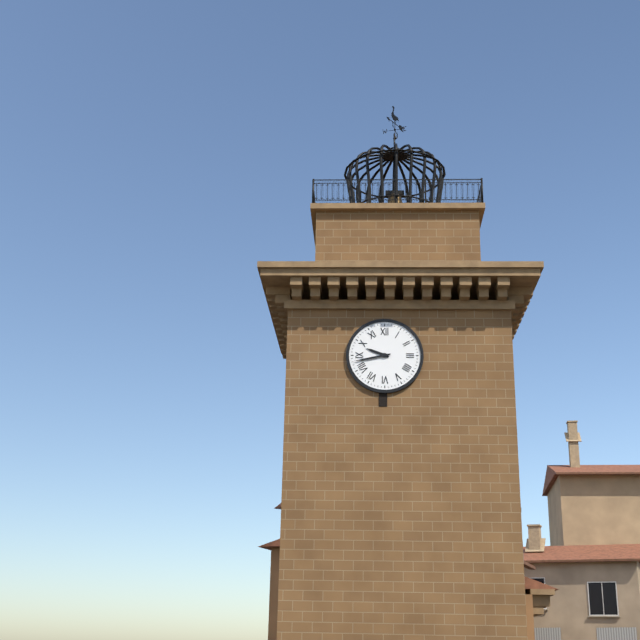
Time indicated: 9:43
